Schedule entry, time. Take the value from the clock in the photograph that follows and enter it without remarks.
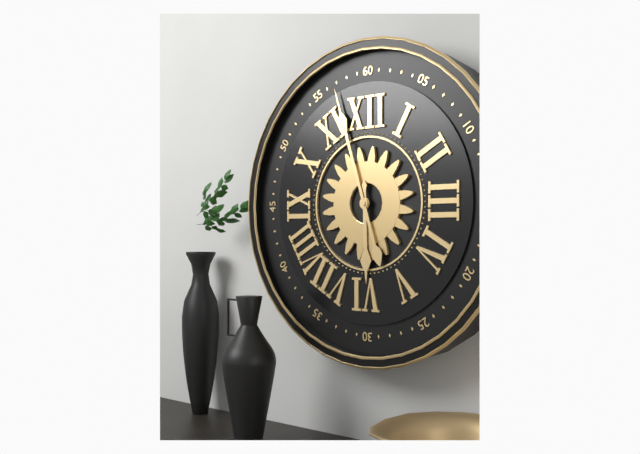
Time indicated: 5:57
